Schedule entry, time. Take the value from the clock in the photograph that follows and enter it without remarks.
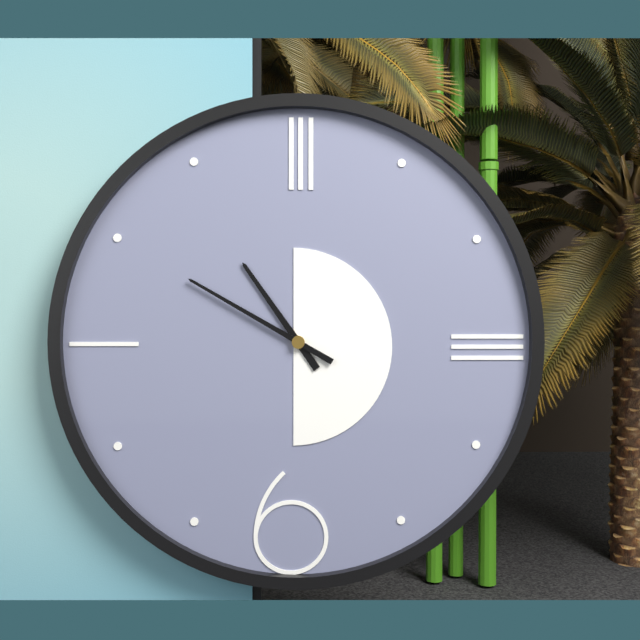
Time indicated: 10:50
